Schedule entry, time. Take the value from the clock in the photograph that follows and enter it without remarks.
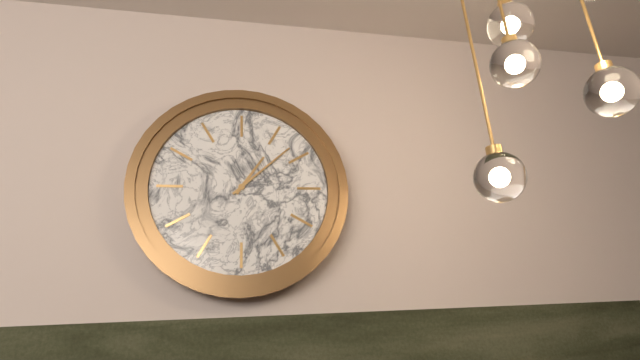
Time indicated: 1:08
